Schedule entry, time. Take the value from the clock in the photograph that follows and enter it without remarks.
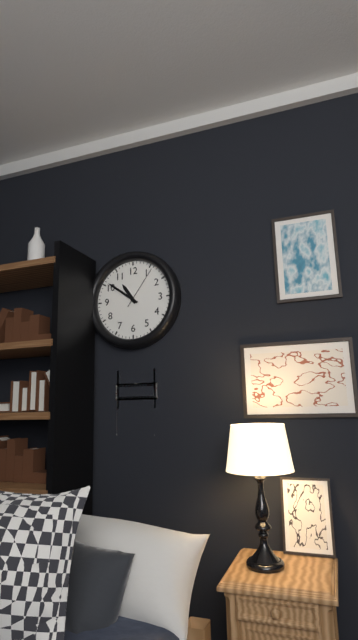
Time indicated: 10:51
